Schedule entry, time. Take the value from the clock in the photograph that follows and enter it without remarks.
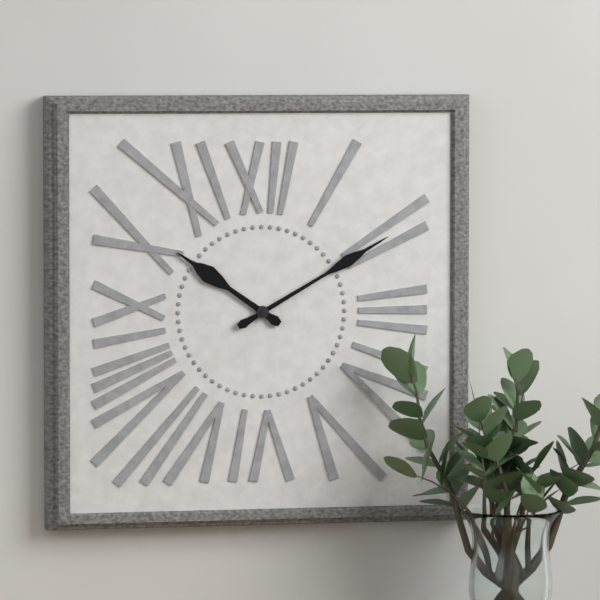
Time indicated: 10:10
